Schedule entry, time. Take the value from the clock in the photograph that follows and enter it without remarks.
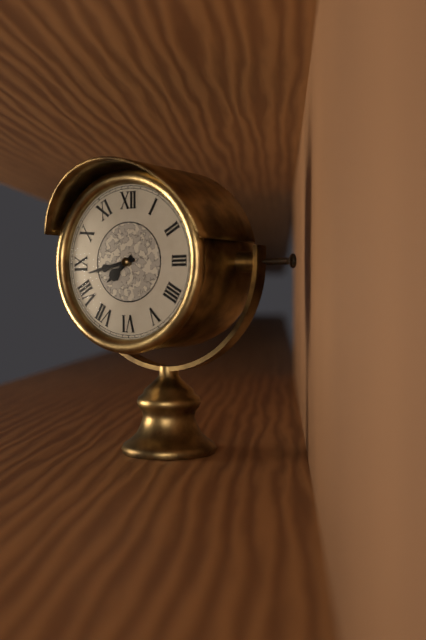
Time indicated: 7:43
